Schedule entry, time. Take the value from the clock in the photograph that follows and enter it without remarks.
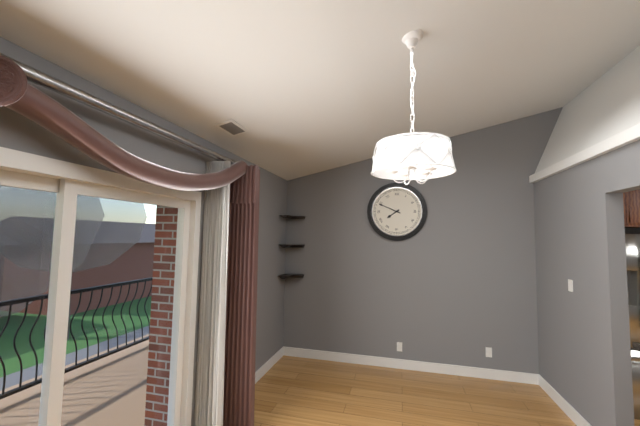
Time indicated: 7:49
